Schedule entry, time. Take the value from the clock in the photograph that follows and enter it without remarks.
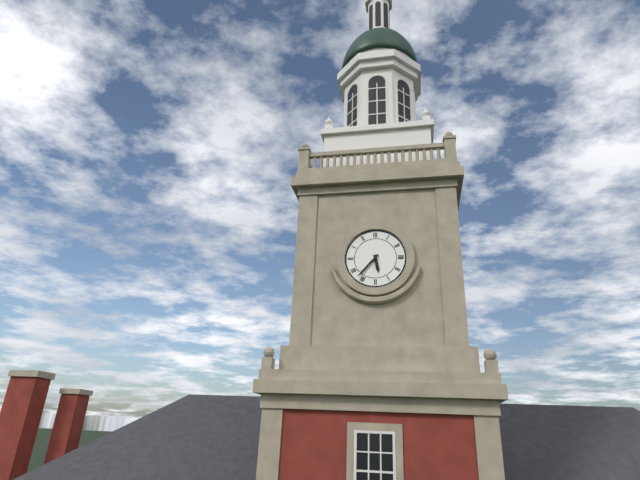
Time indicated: 5:37
